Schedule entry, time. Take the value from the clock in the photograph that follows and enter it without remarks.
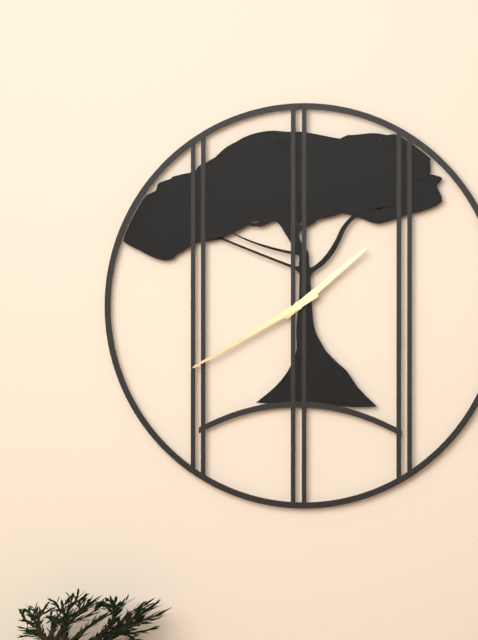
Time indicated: 1:40
